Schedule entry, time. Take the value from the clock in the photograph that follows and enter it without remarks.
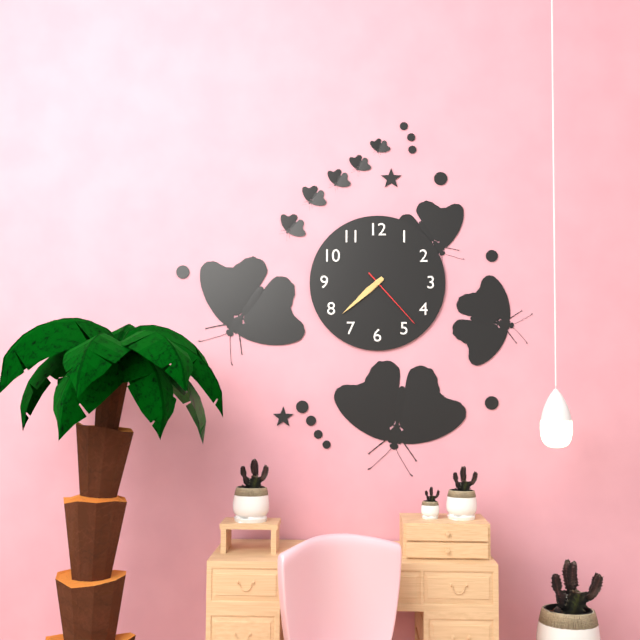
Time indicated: 7:38:23
